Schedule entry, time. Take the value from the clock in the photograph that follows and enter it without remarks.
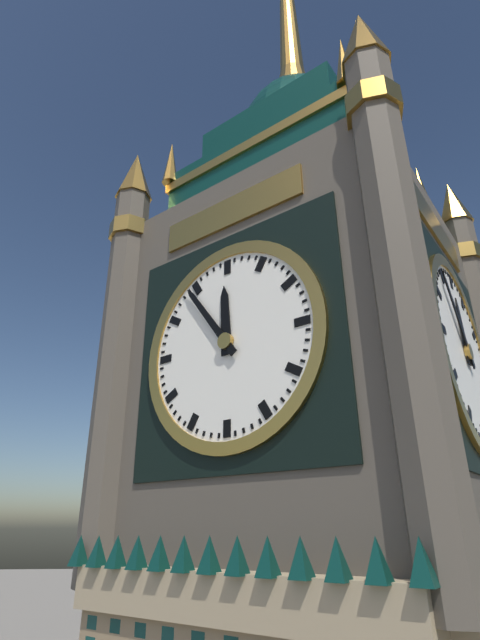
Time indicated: 11:54
